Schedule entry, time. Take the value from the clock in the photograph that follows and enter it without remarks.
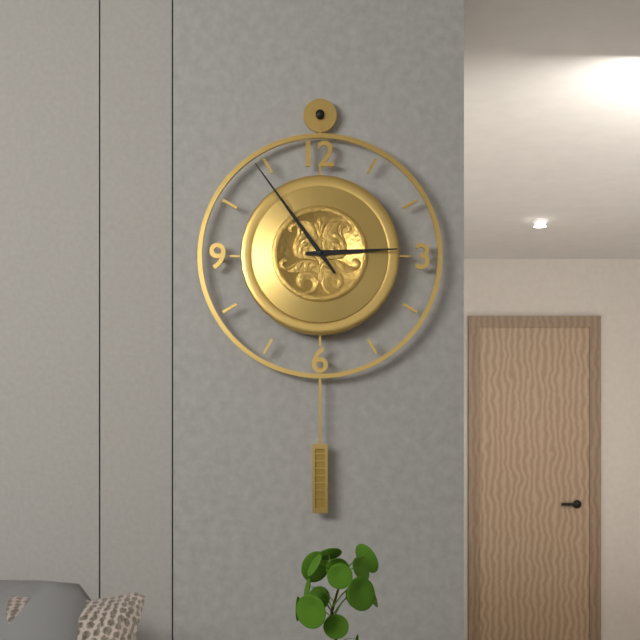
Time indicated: 2:54
